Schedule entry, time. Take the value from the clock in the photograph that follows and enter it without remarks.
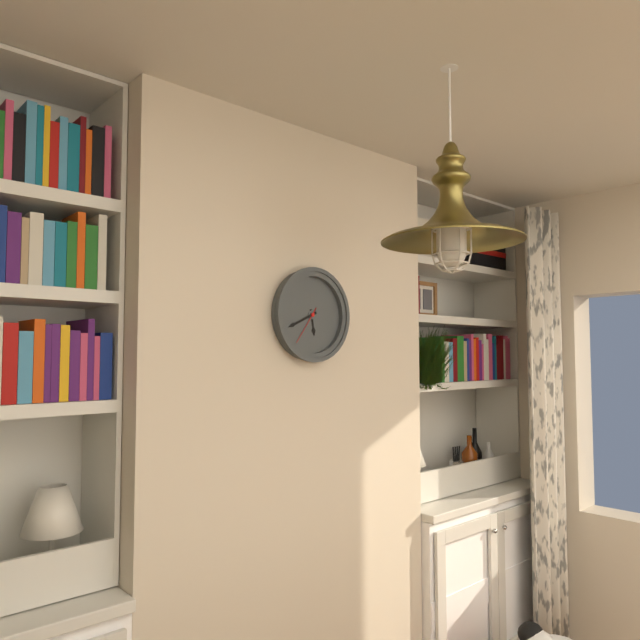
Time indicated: 5:41
